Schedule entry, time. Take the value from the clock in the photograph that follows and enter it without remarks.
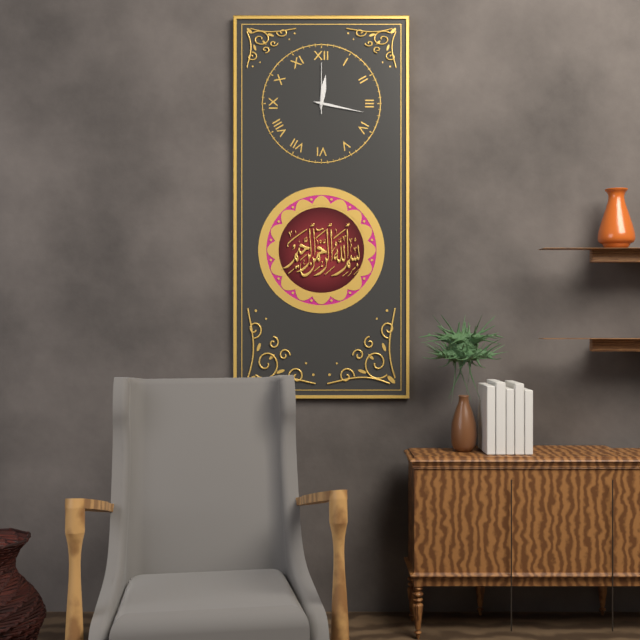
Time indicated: 12:17:00
